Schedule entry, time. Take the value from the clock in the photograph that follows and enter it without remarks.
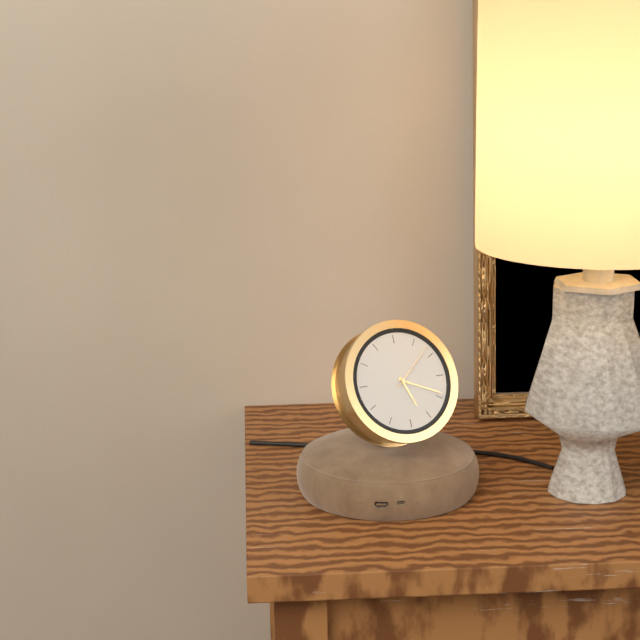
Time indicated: 5:19:08
